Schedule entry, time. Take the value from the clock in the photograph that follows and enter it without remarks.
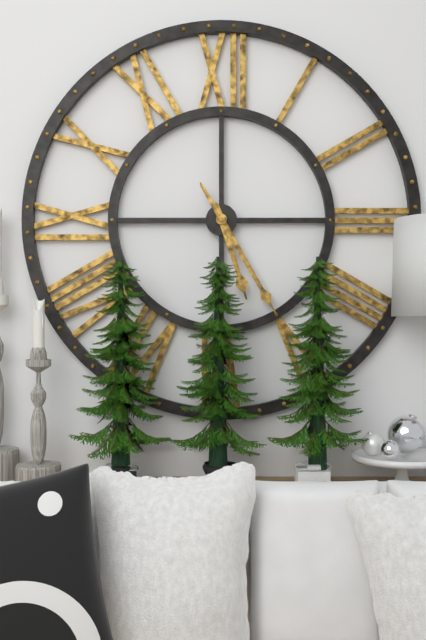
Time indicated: 5:25
